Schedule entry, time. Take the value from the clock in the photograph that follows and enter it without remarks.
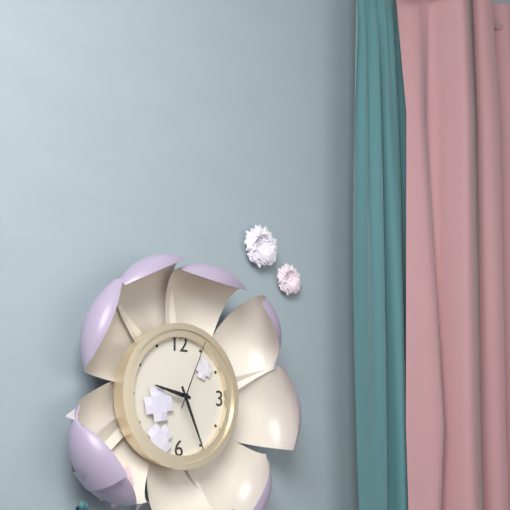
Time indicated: 9:26:04
